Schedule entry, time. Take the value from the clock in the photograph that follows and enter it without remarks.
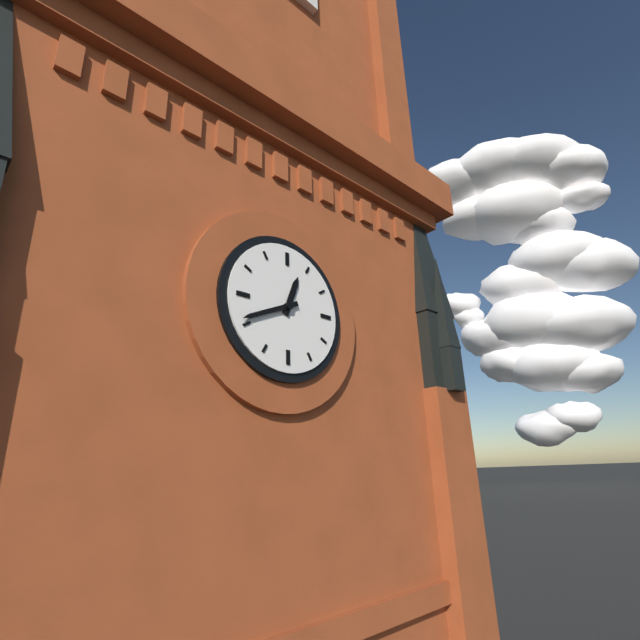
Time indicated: 12:41
